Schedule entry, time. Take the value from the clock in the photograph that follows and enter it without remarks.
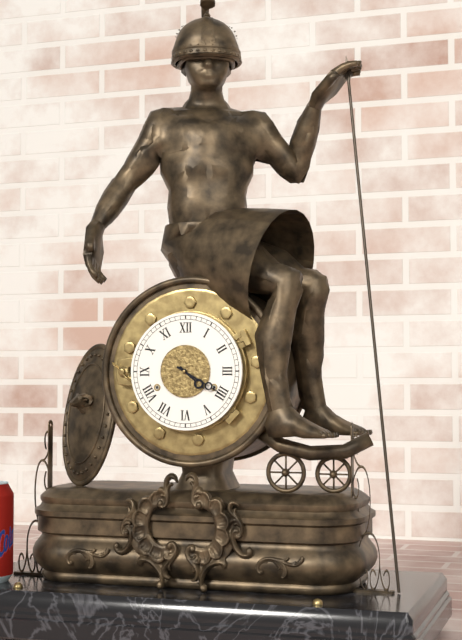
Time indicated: 4:20
